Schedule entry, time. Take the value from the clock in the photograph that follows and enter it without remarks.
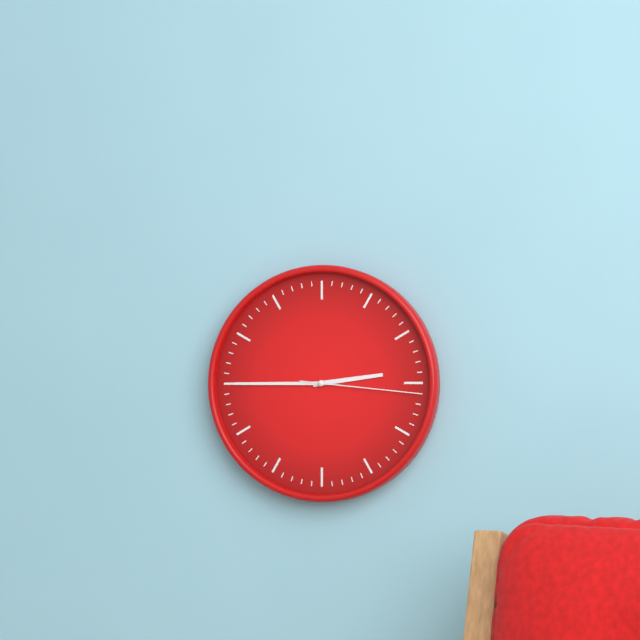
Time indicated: 2:45:16
